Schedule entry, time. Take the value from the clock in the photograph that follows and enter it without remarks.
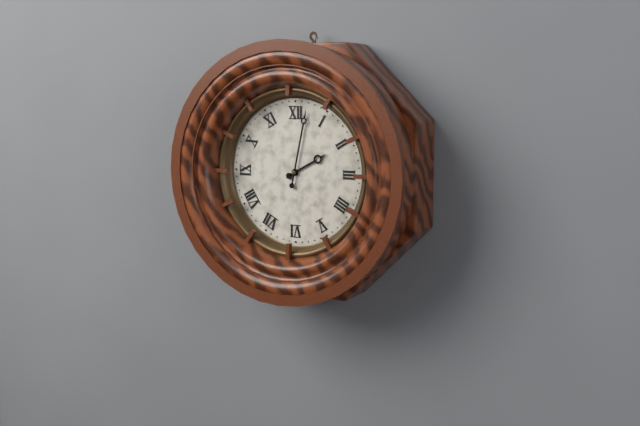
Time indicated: 2:02
